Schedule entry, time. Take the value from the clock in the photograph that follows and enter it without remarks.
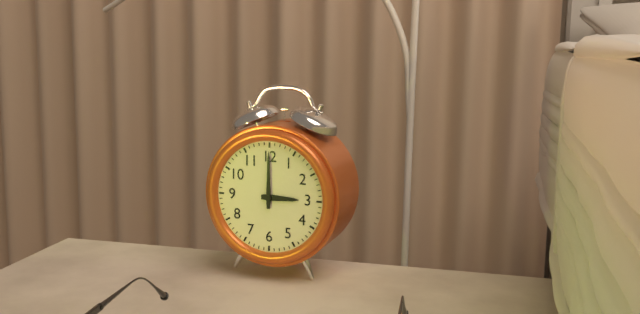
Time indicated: 3:00
